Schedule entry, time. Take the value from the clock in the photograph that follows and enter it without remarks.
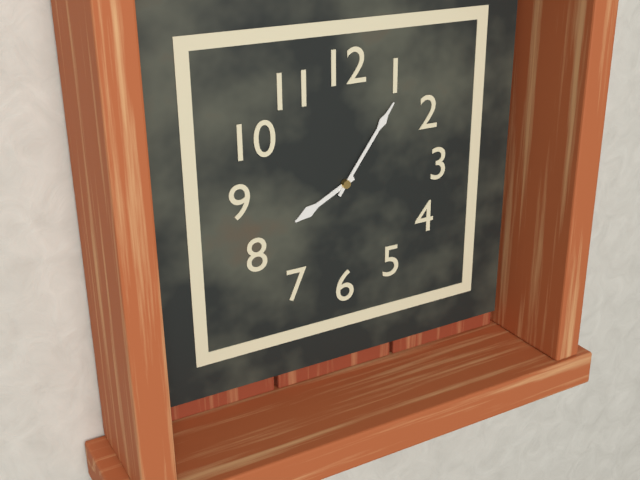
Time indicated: 8:06
